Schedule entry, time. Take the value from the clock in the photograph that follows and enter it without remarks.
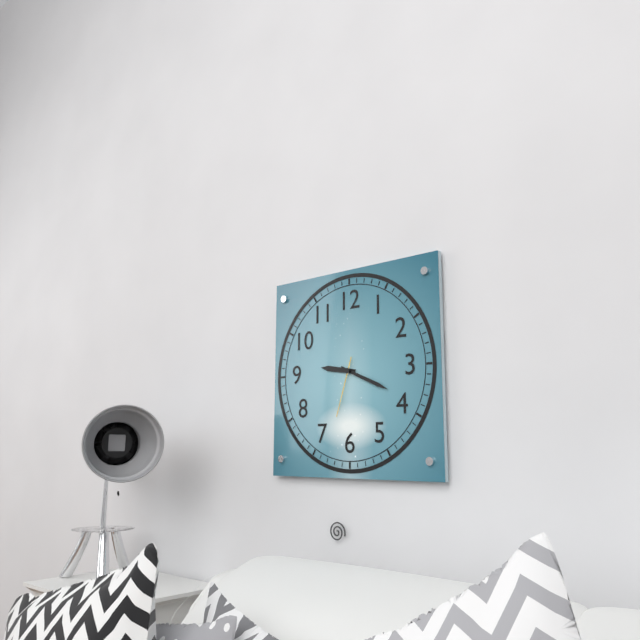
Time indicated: 9:19:33
